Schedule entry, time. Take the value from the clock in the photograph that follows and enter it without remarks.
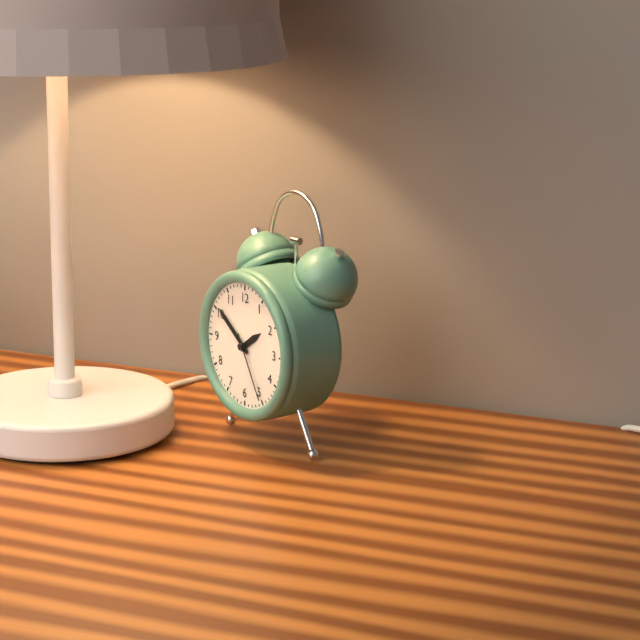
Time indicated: 1:51:25
